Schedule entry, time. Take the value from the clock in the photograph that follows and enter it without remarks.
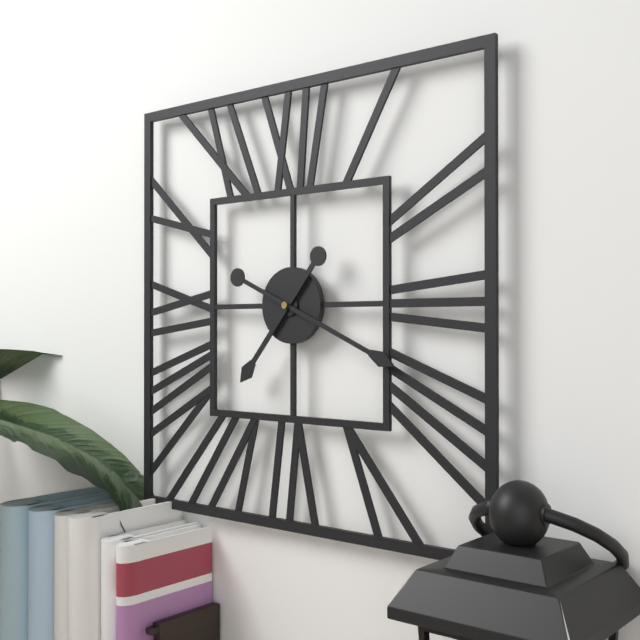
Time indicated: 7:19
